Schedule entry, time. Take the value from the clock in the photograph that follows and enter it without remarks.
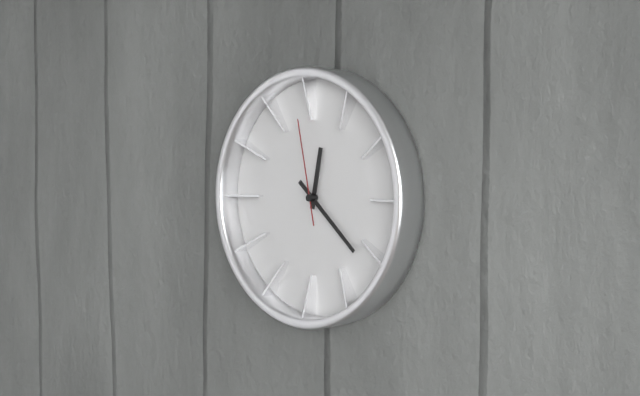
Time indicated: 12:22:58
